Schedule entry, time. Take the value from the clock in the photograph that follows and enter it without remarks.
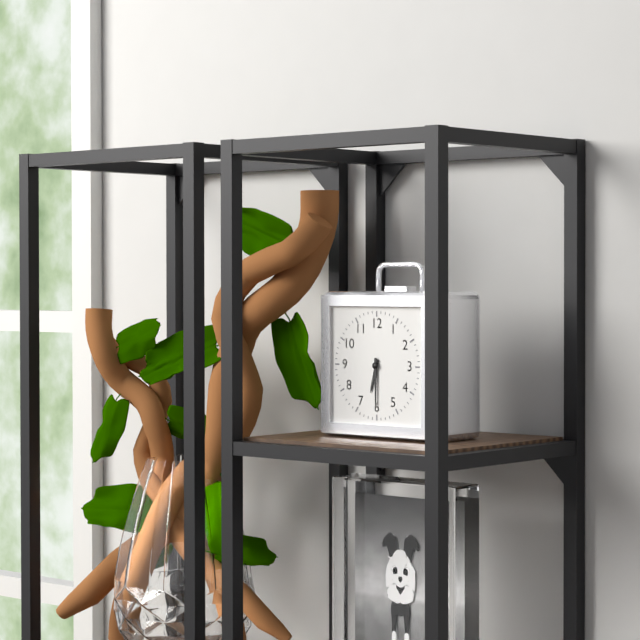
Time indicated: 6:30
